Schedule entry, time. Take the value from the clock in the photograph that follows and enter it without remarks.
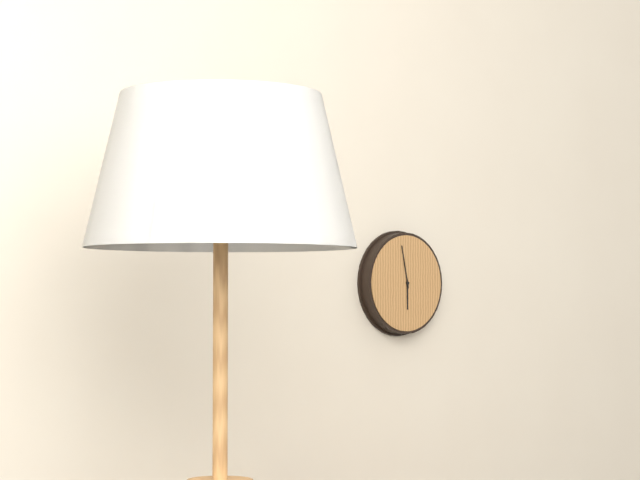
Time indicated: 5:58
